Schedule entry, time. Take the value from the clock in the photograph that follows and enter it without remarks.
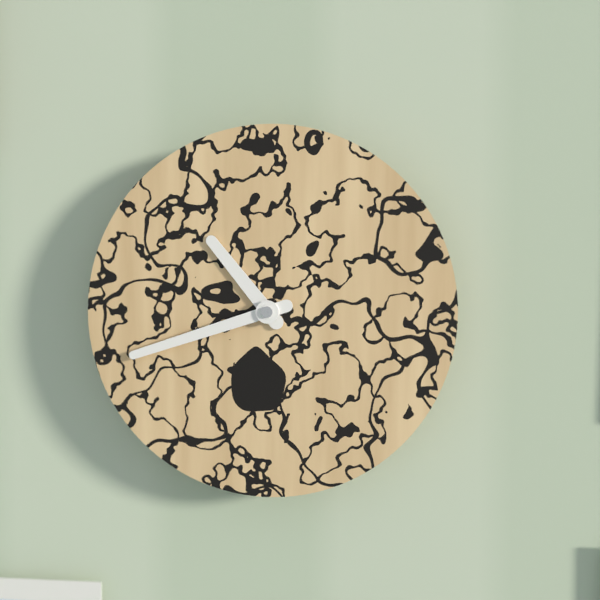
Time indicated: 10:42
